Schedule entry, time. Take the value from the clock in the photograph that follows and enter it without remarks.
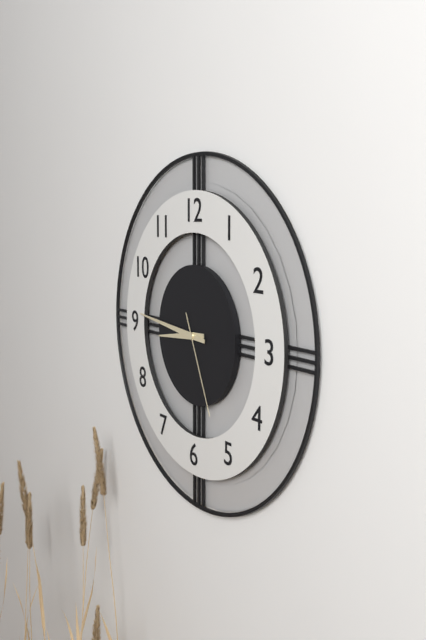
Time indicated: 8:46:26
